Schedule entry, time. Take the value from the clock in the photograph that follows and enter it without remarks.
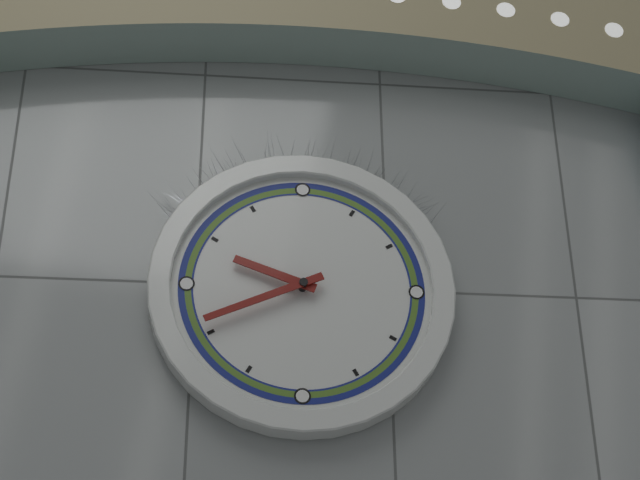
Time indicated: 9:41
